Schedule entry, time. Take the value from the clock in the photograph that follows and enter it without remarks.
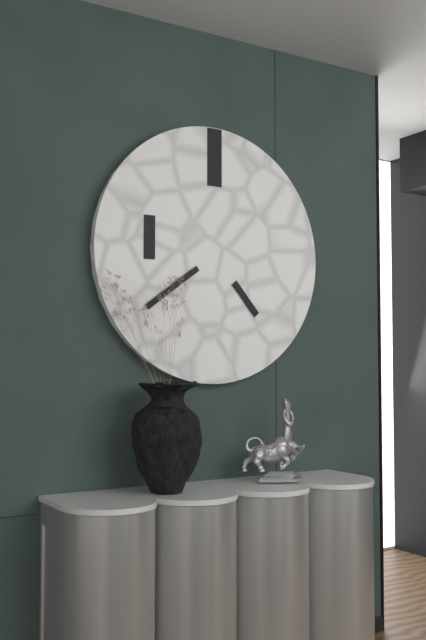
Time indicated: 4:39
